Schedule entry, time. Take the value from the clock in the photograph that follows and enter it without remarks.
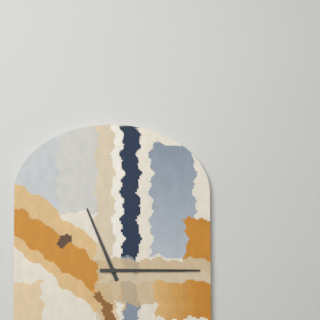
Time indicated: 11:15
